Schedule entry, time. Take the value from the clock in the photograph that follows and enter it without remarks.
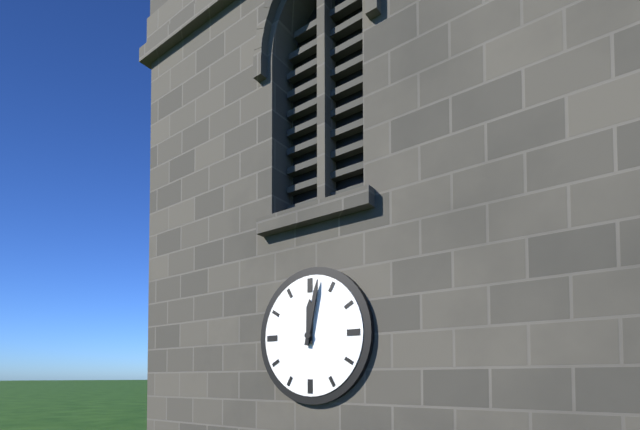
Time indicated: 12:02
